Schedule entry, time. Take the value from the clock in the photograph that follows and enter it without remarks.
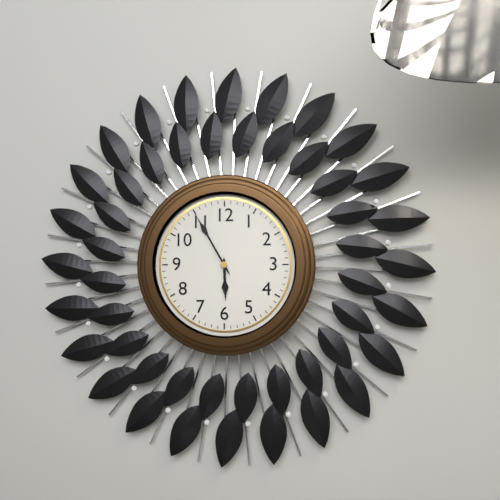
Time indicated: 5:55
